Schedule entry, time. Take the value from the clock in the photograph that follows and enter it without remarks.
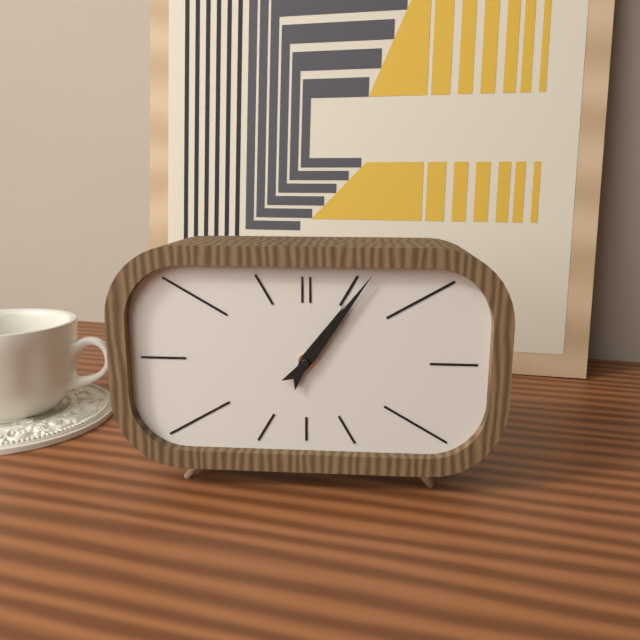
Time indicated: 1:06
